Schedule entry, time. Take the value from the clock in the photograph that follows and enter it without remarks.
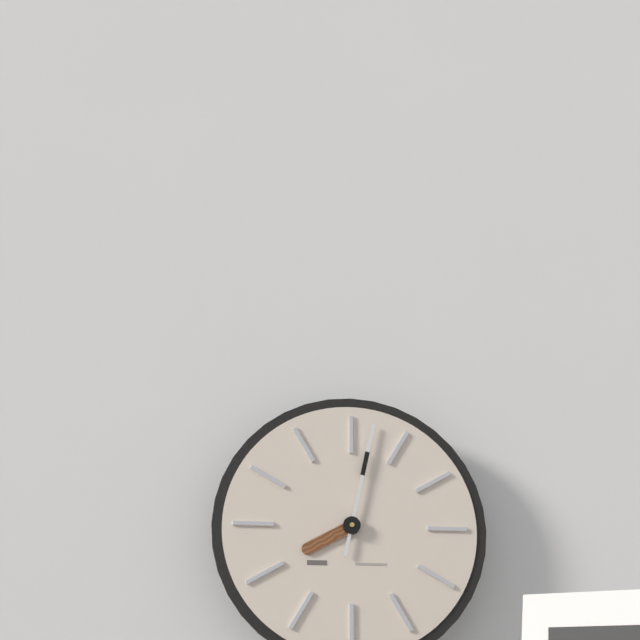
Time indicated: 8:02
